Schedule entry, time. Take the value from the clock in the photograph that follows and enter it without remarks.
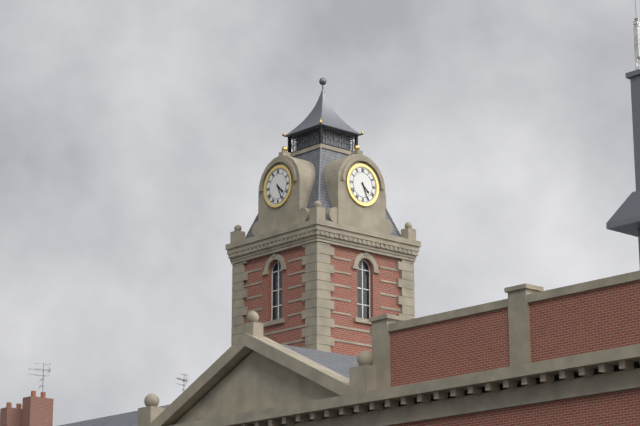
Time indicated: 4:26
